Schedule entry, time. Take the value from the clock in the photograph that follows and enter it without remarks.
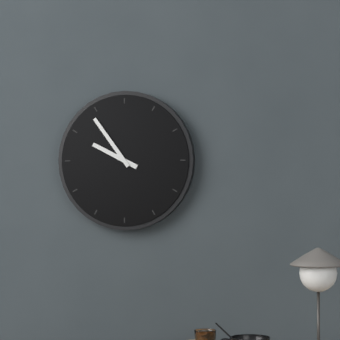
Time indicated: 9:54
